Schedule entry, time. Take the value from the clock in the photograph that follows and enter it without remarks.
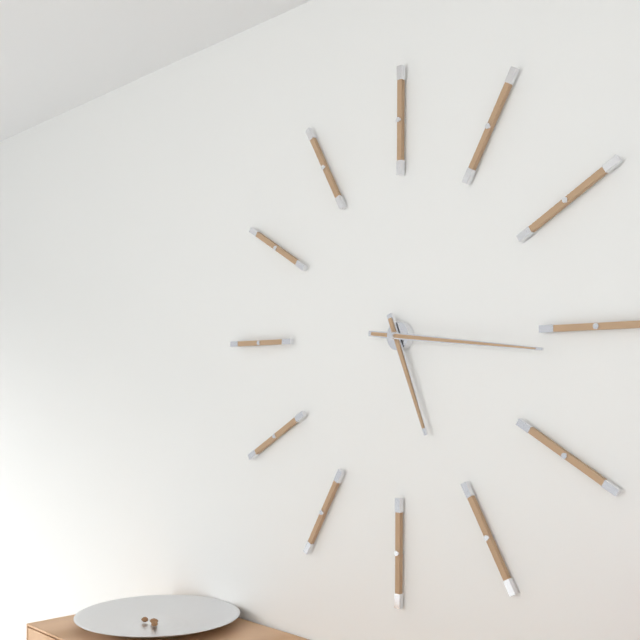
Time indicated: 5:16
